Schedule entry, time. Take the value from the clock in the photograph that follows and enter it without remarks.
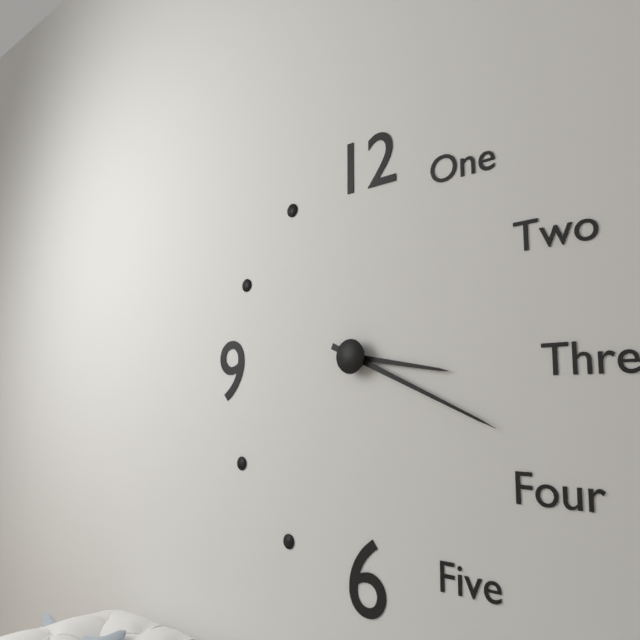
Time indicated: 3:19
